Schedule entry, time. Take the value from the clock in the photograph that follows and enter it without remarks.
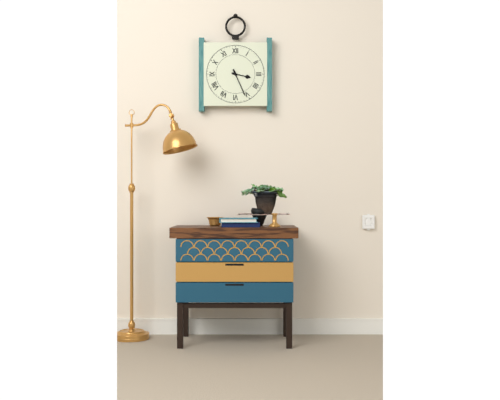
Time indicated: 3:26
